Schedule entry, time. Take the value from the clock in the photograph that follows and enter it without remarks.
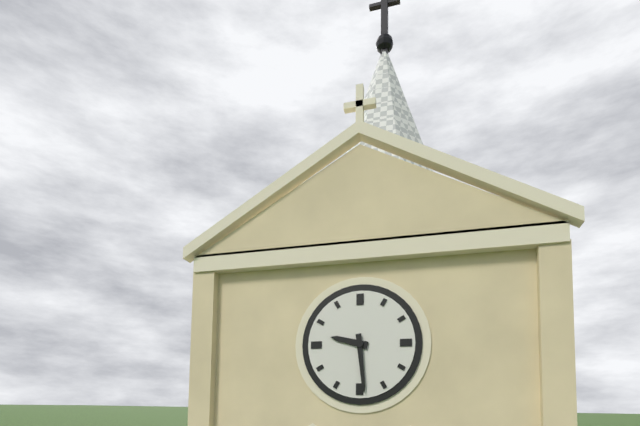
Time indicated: 9:29
